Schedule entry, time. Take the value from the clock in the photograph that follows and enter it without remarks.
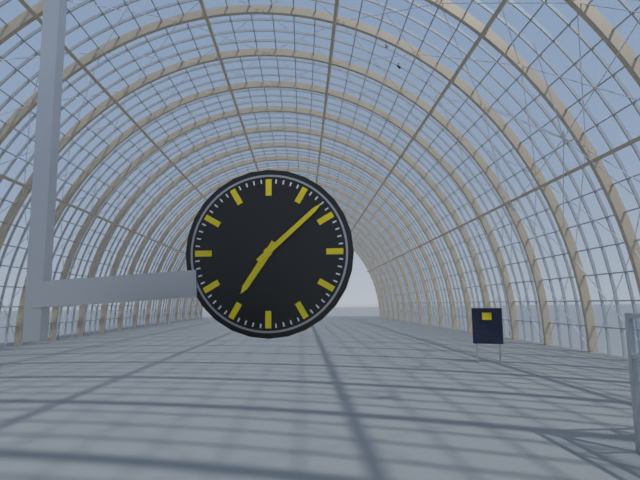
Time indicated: 7:08
